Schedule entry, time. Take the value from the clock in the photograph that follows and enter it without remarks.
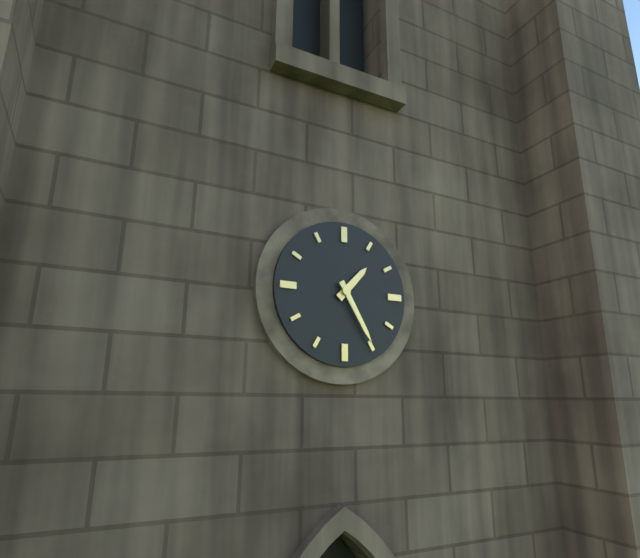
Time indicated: 1:25
